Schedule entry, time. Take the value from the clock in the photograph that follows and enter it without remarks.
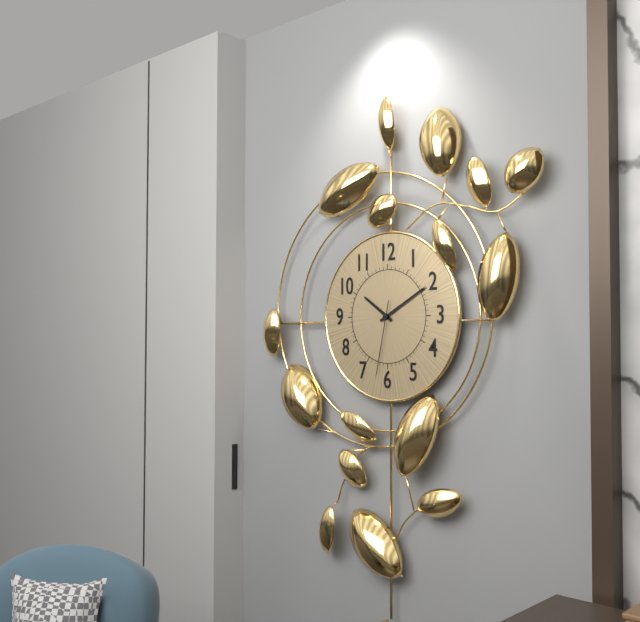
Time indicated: 10:10:32
